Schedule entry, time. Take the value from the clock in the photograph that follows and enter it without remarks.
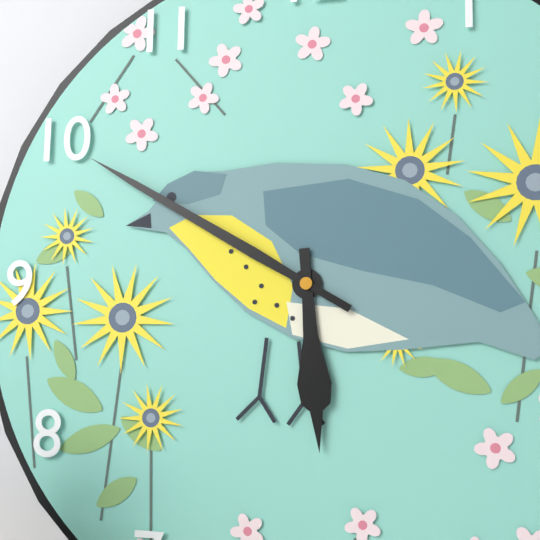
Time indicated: 5:50
